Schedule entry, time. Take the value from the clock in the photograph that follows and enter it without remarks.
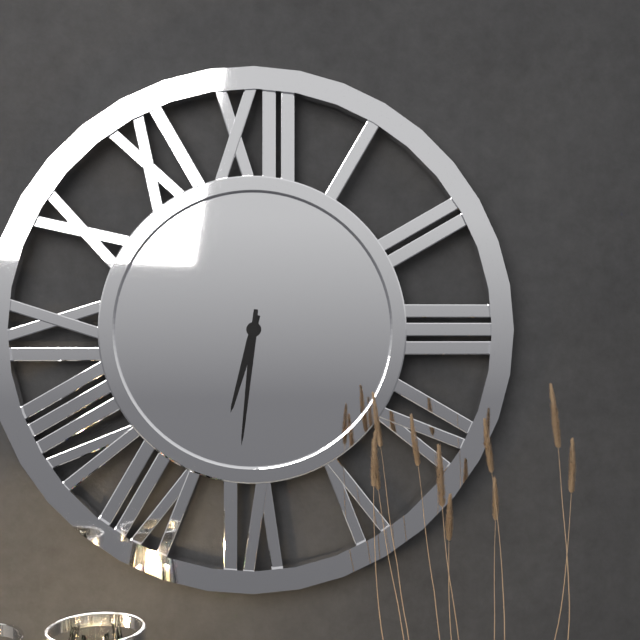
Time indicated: 6:31
